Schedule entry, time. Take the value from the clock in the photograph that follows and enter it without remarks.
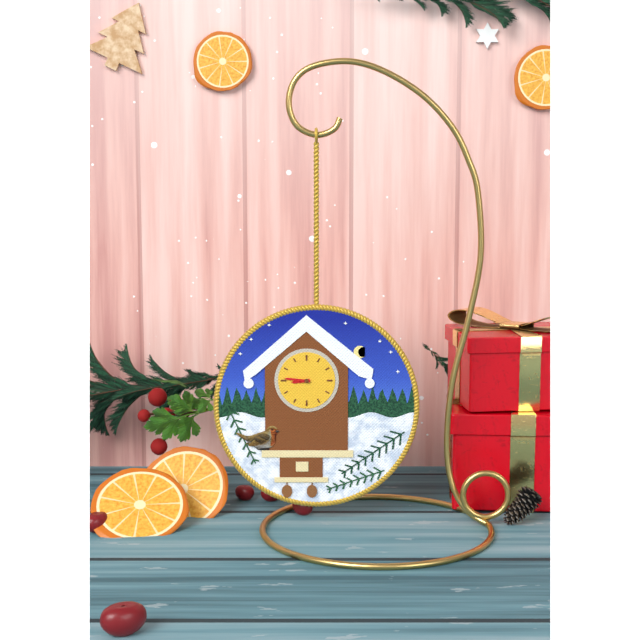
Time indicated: 8:46
